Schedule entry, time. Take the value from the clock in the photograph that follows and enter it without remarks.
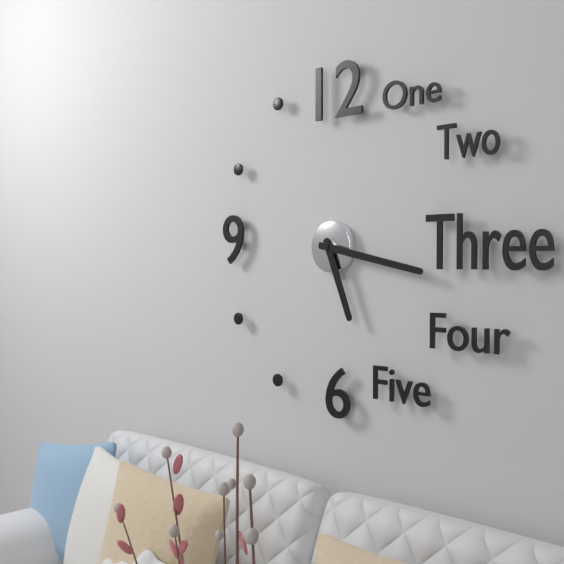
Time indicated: 5:17
